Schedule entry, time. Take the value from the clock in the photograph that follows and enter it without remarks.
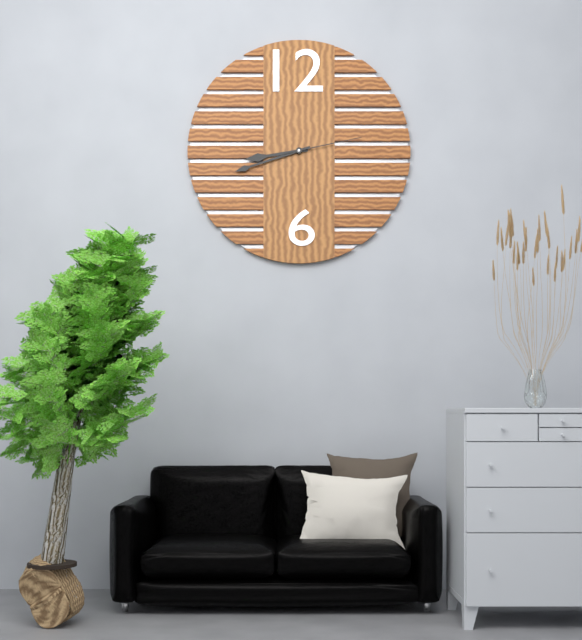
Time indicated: 8:42:13
